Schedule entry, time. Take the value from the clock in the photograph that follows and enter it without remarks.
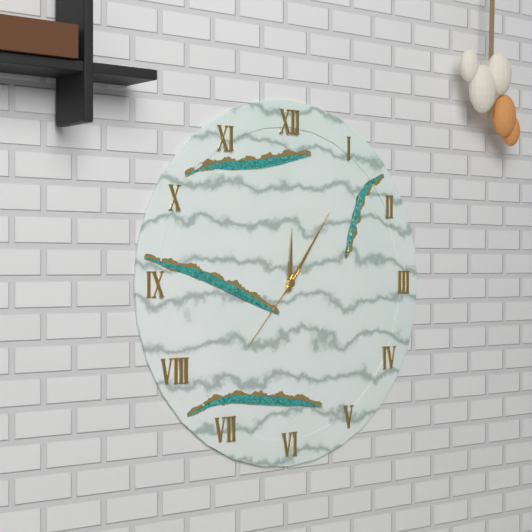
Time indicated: 12:06:37
